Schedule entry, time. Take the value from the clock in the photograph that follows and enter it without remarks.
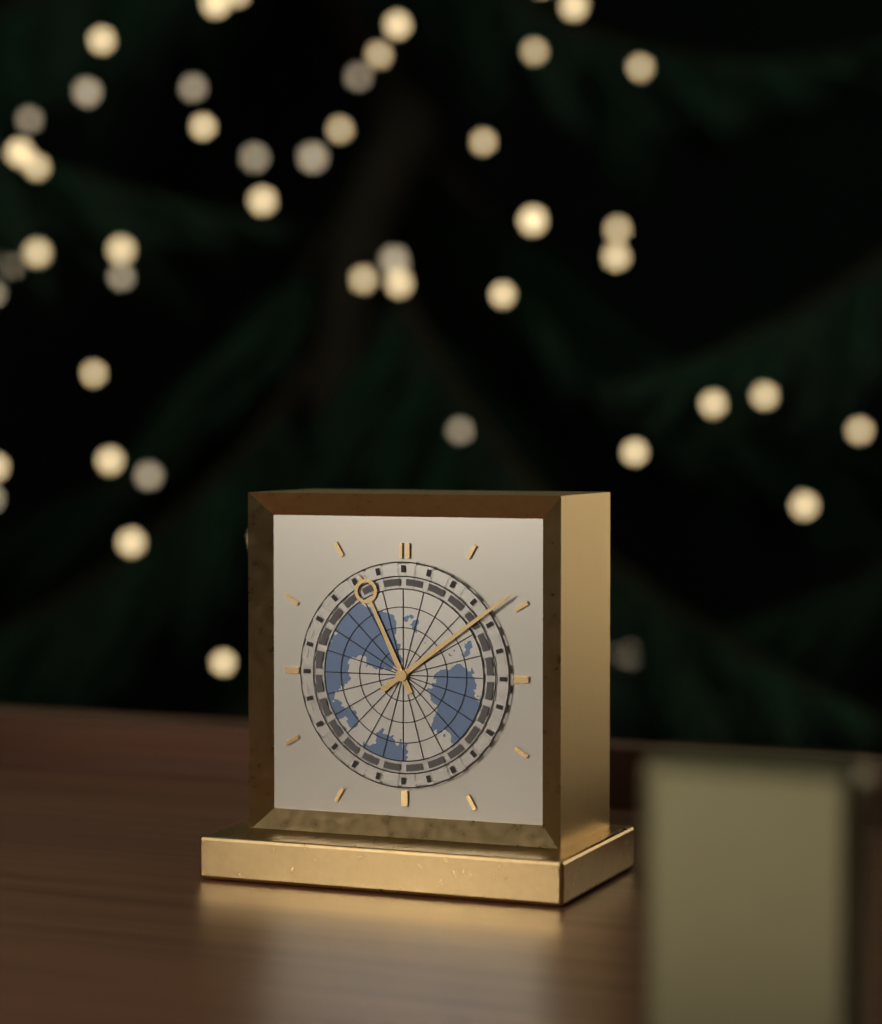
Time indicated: 11:09
